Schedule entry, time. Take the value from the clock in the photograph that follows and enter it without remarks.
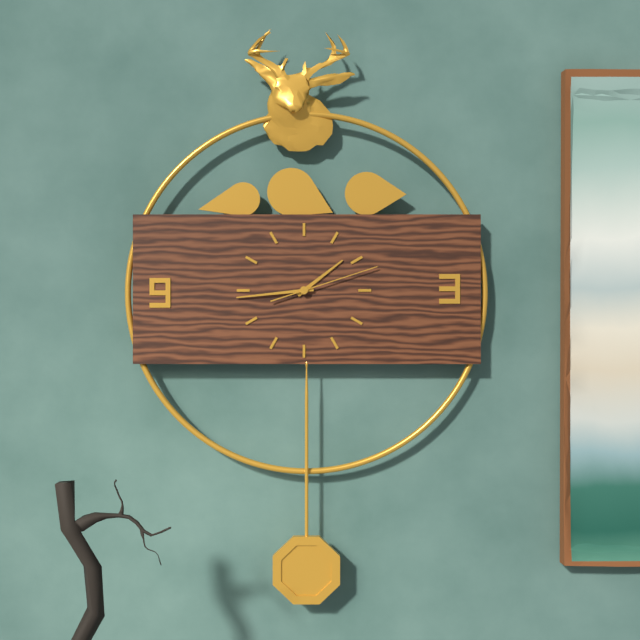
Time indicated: 1:44:12
